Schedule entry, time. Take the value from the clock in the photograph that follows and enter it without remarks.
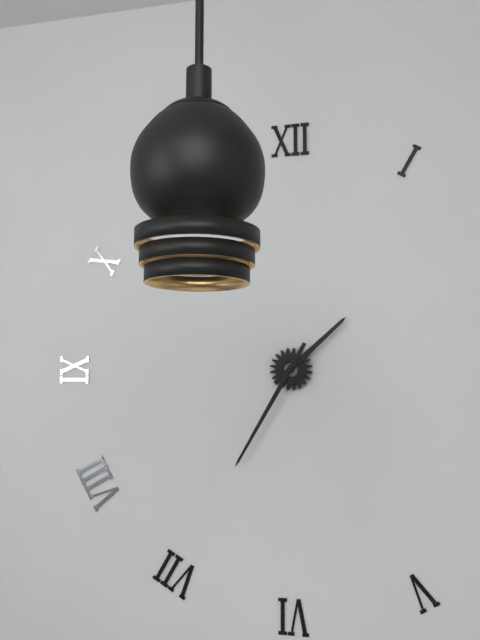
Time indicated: 1:35
